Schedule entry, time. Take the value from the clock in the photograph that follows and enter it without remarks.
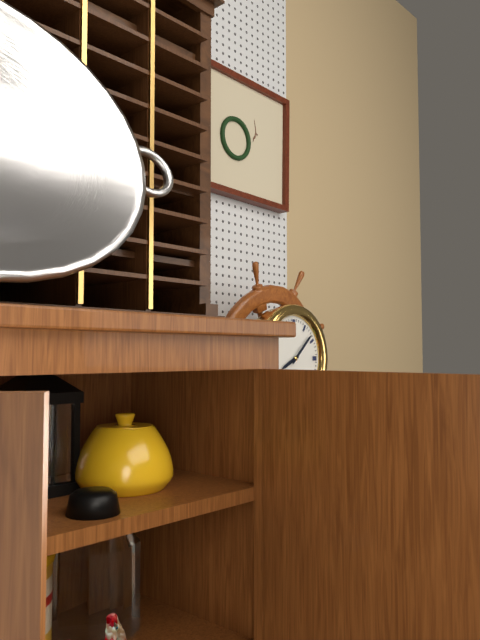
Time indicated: 8:08
